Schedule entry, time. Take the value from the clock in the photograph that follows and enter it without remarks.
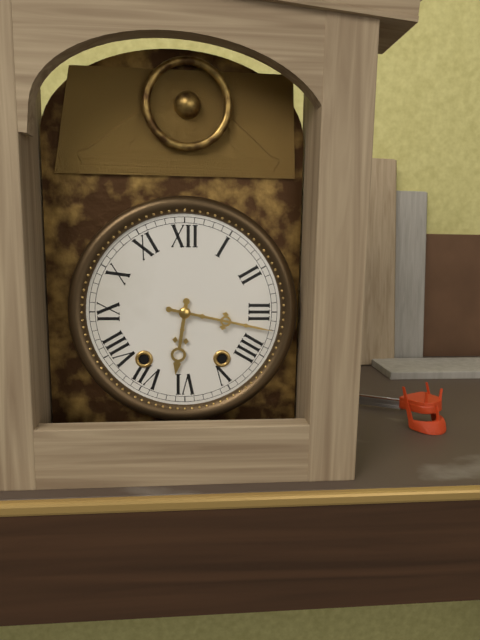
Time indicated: 6:17
